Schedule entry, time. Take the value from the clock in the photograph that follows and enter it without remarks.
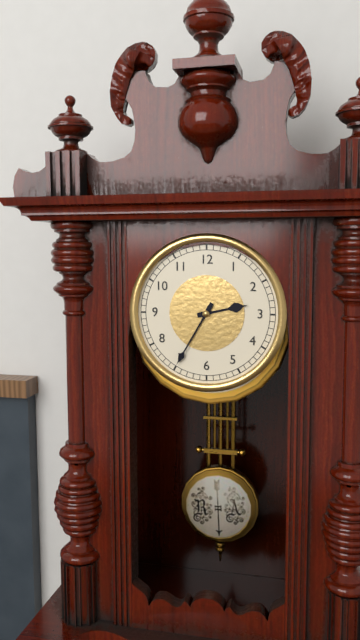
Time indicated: 2:35
